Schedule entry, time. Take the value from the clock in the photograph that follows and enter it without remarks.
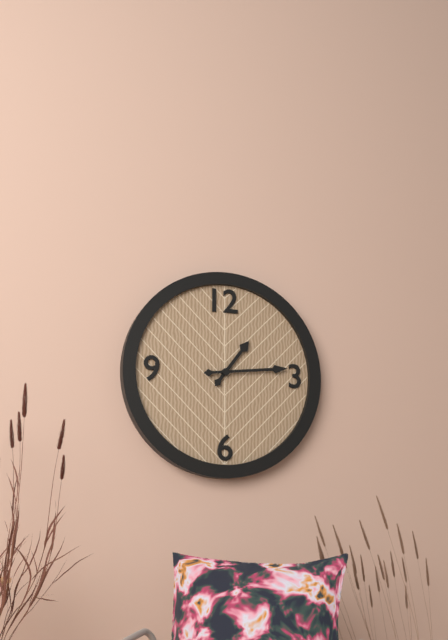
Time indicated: 1:14
